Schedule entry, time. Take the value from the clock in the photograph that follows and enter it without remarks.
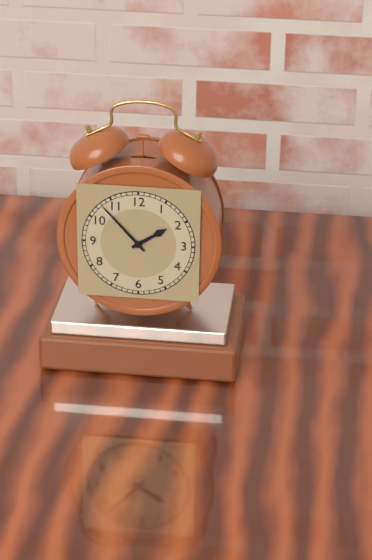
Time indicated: 1:53
